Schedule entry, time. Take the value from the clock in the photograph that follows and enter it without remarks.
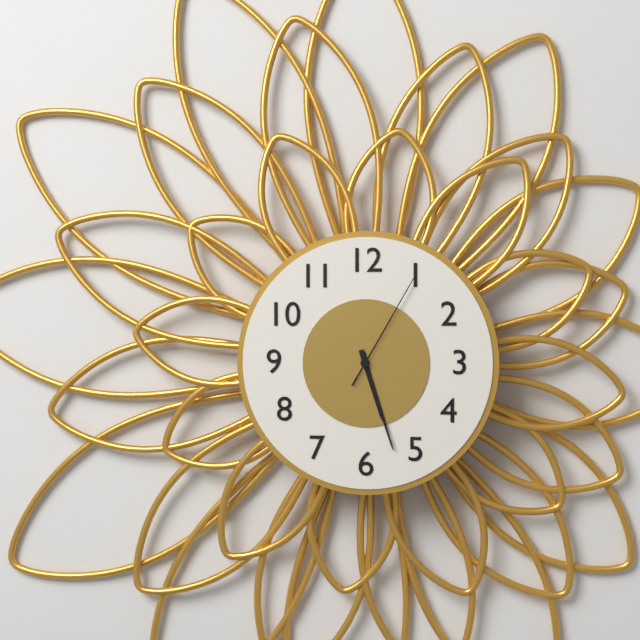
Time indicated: 5:27:05
